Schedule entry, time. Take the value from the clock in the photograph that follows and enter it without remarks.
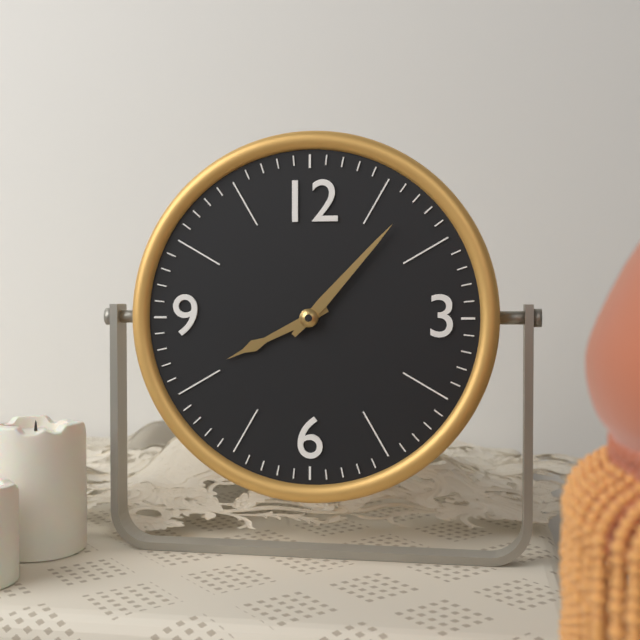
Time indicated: 8:07
